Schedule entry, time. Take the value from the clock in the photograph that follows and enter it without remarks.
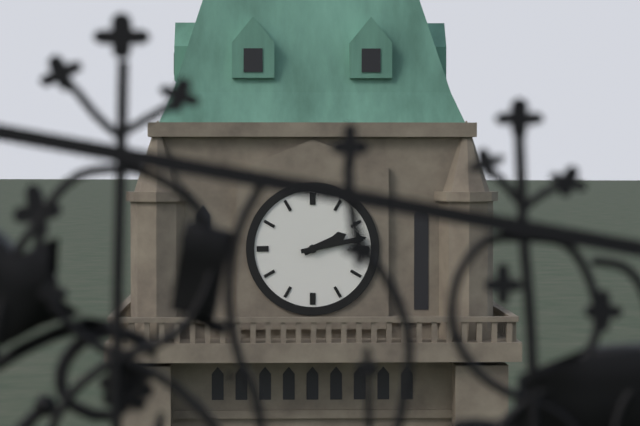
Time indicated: 2:13
